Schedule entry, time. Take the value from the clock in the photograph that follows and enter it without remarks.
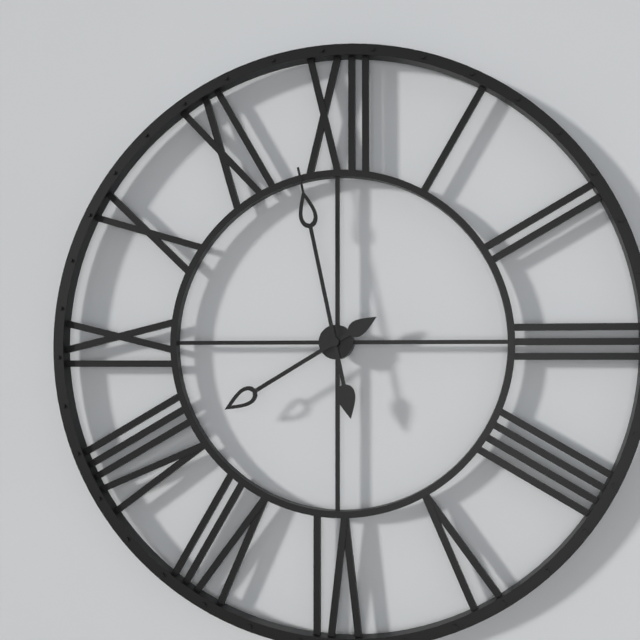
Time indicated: 7:58
